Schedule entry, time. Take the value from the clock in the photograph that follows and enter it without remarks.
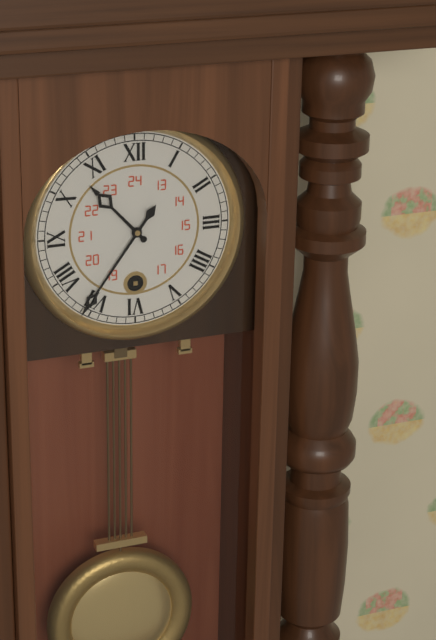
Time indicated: 10:36
